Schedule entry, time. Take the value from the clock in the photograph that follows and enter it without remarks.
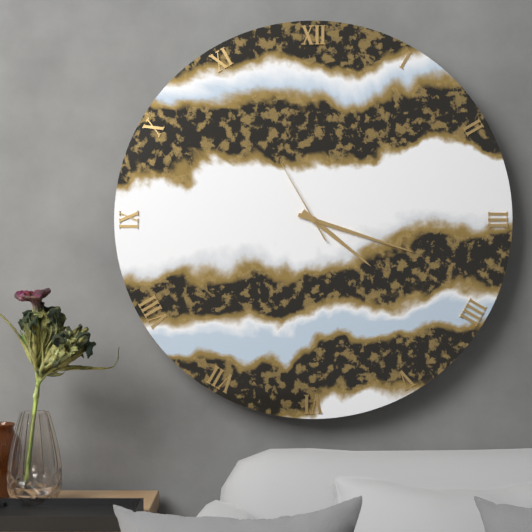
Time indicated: 4:18:55
